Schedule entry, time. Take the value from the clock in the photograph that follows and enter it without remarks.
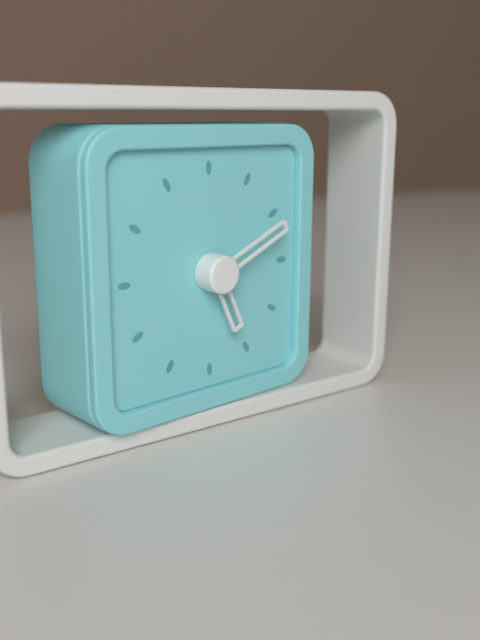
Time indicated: 5:11
